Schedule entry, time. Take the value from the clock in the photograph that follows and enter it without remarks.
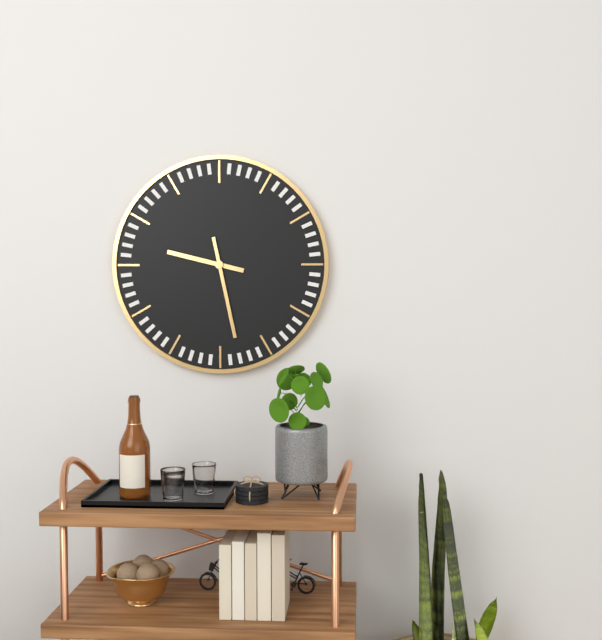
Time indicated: 9:28
